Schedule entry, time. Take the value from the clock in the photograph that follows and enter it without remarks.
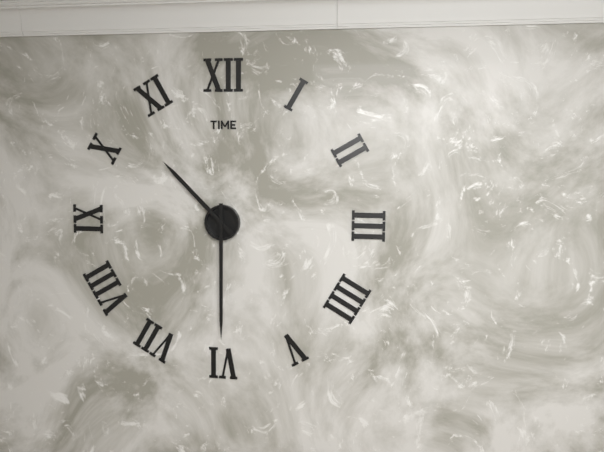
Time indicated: 10:30
